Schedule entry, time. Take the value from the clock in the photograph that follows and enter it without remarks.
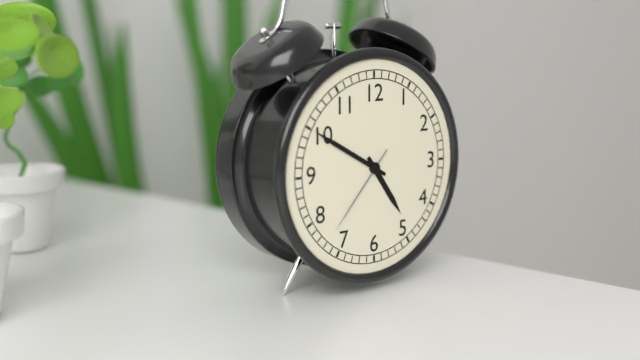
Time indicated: 4:50:37
